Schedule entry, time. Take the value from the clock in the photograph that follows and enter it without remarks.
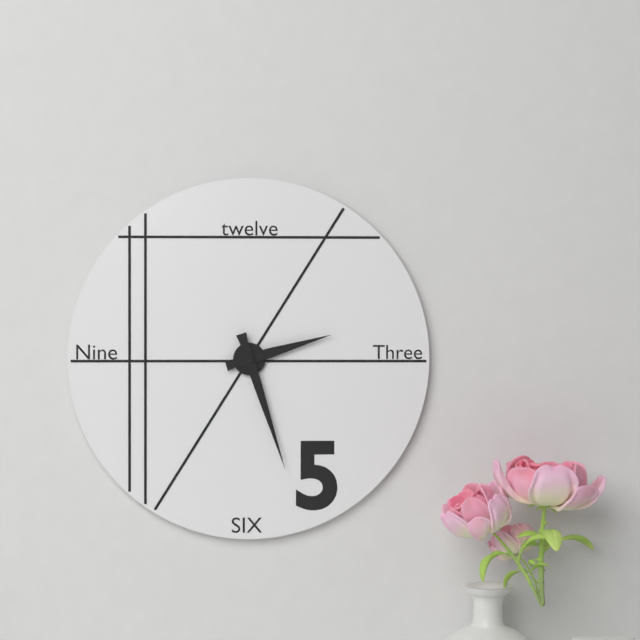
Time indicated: 2:27
